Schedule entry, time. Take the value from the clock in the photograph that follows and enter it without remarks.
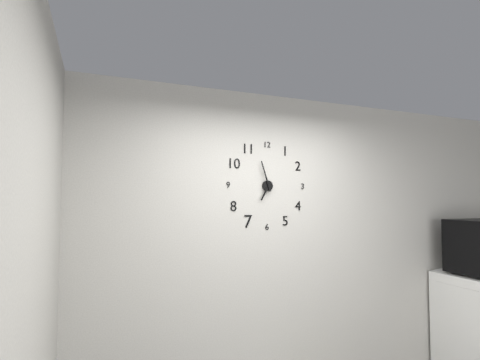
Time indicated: 6:57
